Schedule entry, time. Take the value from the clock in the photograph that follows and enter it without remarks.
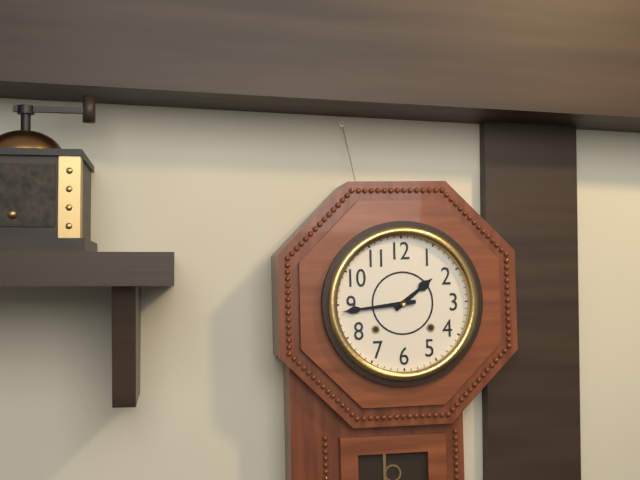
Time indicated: 1:44
